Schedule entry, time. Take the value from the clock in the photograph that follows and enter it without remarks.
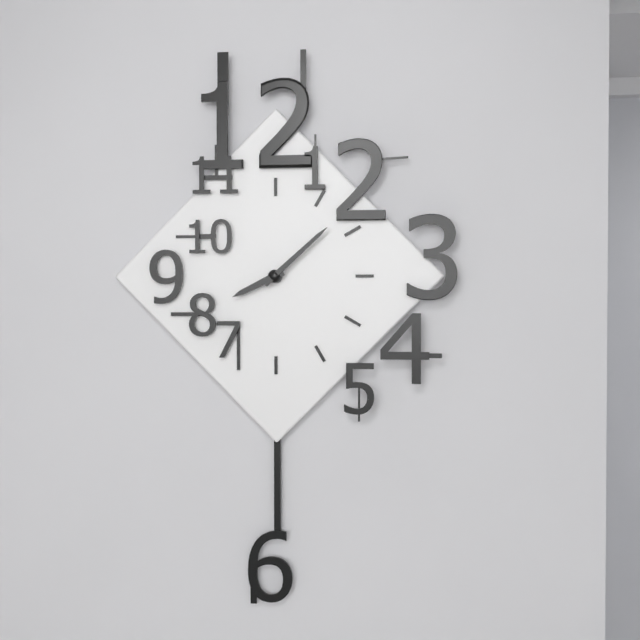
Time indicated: 8:08
